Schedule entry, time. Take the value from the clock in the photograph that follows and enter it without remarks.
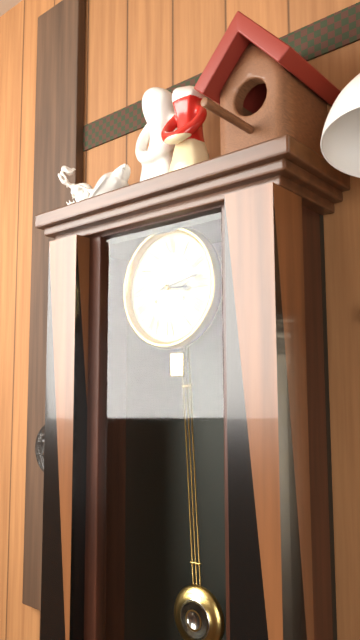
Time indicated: 3:13
